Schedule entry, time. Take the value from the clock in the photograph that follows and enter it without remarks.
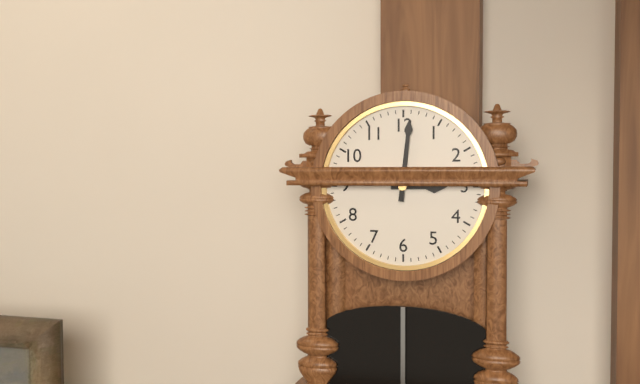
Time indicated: 3:01
